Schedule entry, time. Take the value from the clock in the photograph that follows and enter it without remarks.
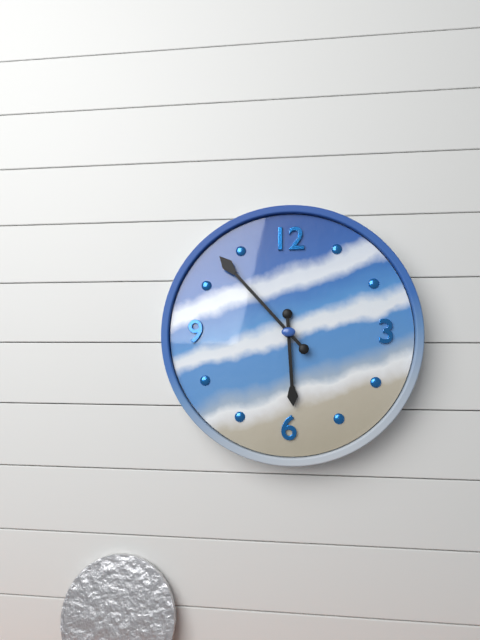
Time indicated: 5:53
